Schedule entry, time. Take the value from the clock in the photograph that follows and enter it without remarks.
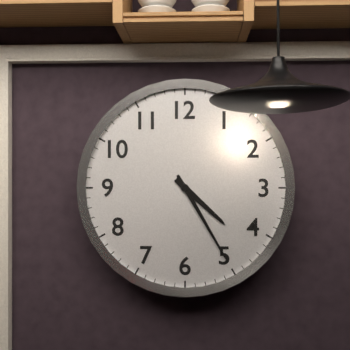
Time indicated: 4:25
